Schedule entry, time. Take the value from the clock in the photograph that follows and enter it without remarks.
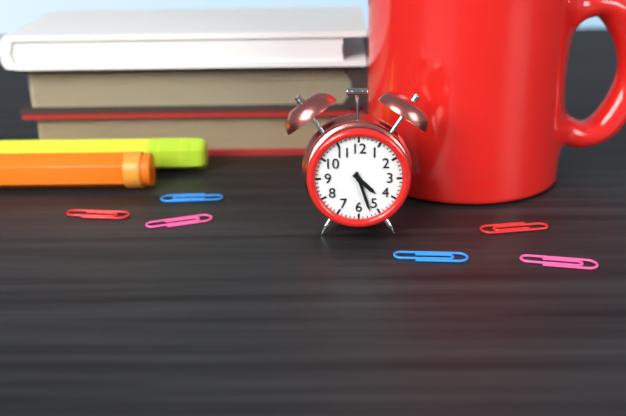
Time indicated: 4:27
